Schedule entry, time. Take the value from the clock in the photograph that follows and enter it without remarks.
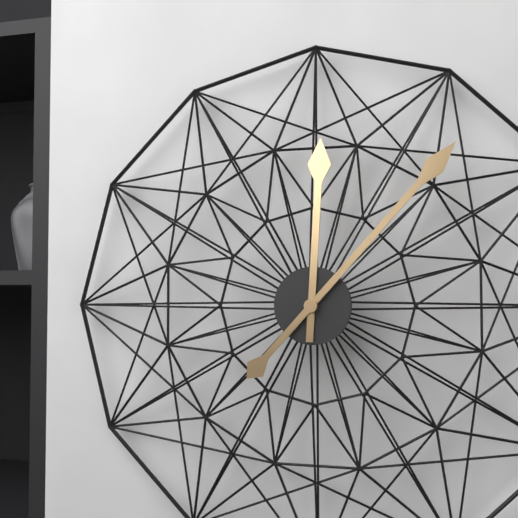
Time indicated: 12:07
